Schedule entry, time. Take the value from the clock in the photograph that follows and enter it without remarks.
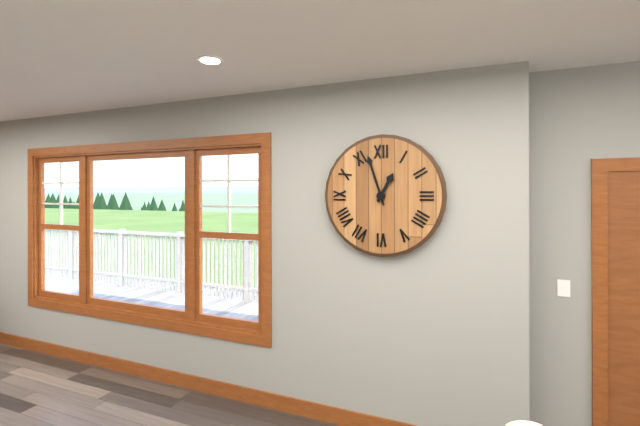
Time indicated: 12:57
